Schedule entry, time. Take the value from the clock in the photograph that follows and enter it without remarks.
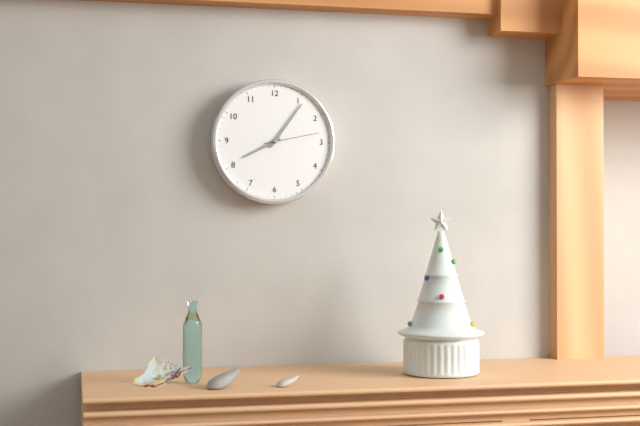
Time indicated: 8:06:13
